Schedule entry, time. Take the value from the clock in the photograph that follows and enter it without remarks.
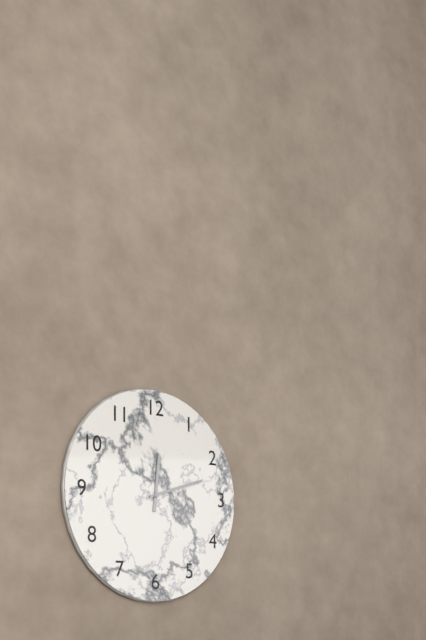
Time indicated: 12:12
